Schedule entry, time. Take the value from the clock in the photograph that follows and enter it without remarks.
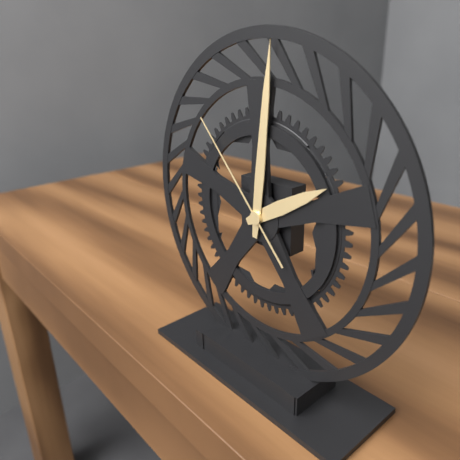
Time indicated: 2:01:53
